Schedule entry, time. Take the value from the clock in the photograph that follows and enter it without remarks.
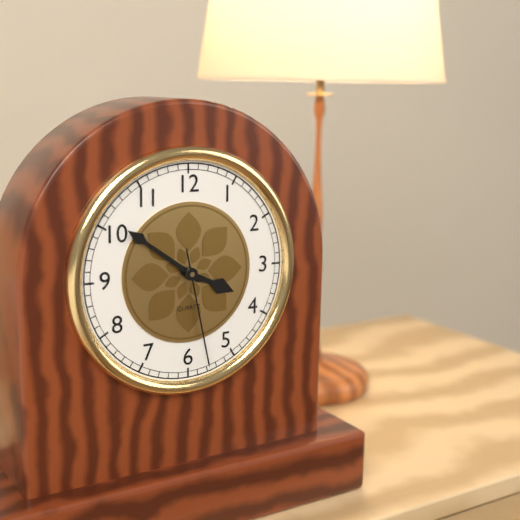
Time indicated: 3:51:28
